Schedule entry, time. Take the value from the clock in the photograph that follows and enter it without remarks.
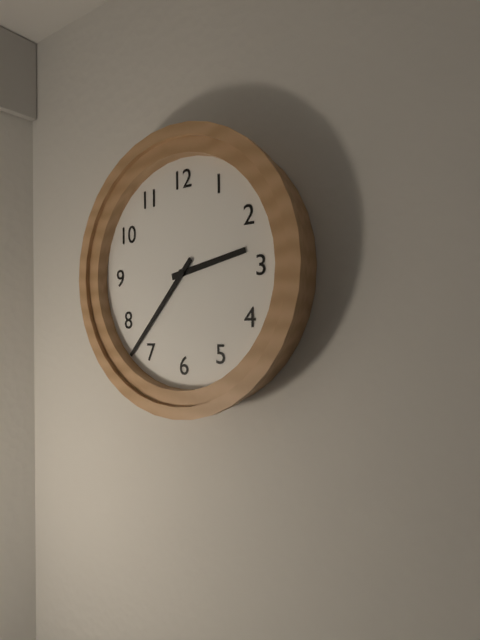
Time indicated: 2:37
